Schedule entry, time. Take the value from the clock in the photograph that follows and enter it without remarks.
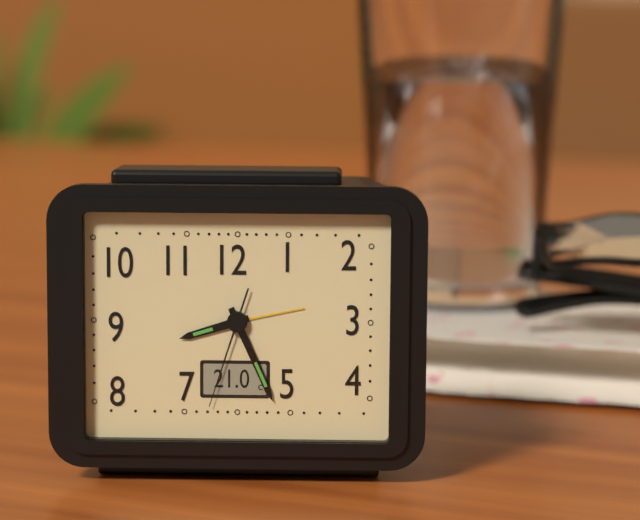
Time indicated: 8:26:33
